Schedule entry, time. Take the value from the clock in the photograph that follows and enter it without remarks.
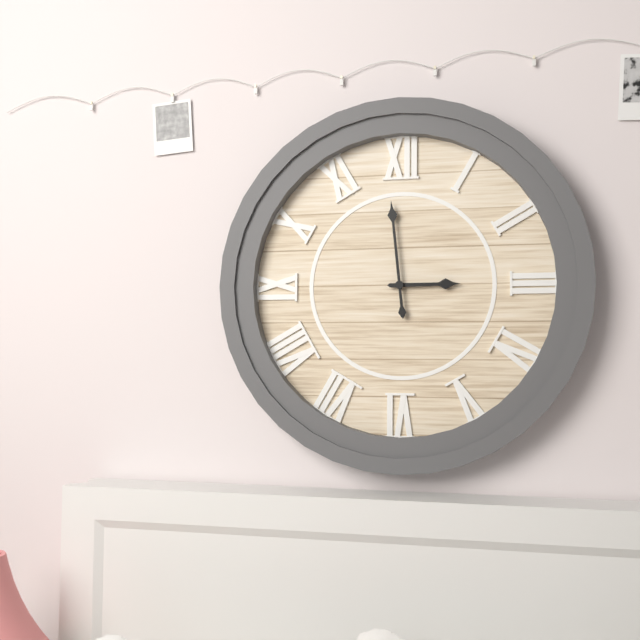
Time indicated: 2:59
